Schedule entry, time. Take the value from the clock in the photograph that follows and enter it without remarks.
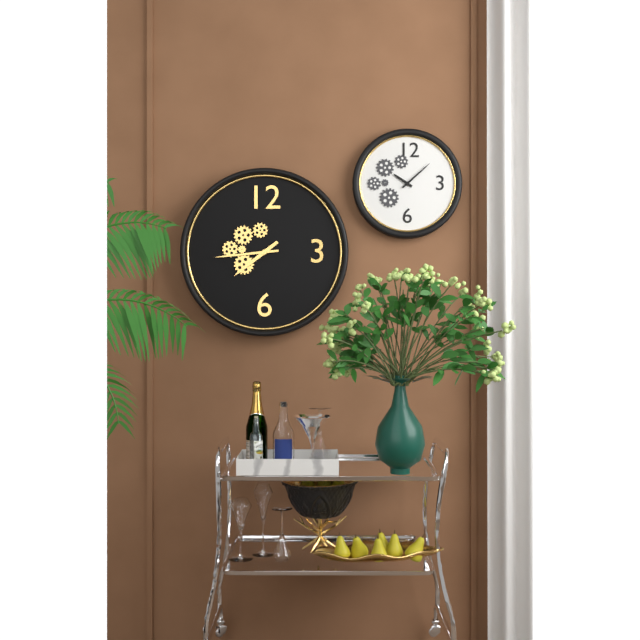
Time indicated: 7:44
